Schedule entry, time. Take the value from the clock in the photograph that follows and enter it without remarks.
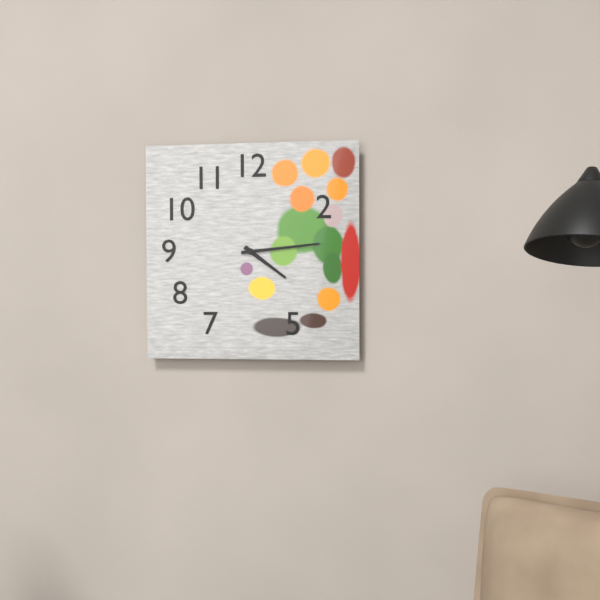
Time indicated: 4:14
